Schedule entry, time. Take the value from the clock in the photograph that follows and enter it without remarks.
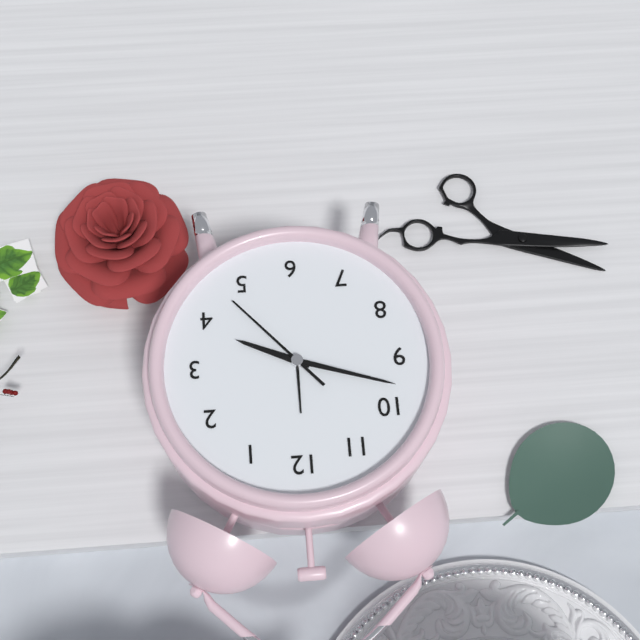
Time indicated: 3:48:23
